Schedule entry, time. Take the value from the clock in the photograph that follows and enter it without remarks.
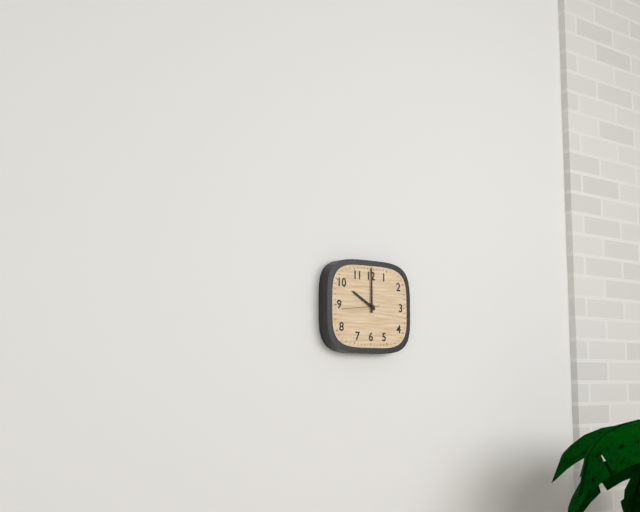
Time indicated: 10:00
